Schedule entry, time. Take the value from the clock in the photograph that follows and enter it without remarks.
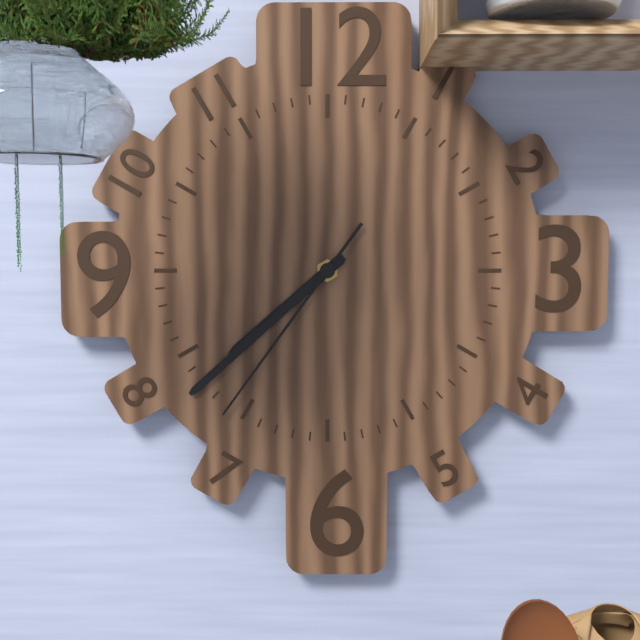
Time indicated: 7:38:36
